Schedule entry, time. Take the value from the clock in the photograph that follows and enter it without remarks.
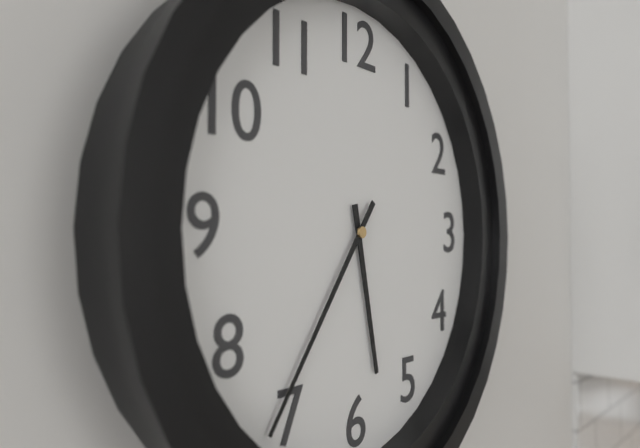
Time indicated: 5:36
